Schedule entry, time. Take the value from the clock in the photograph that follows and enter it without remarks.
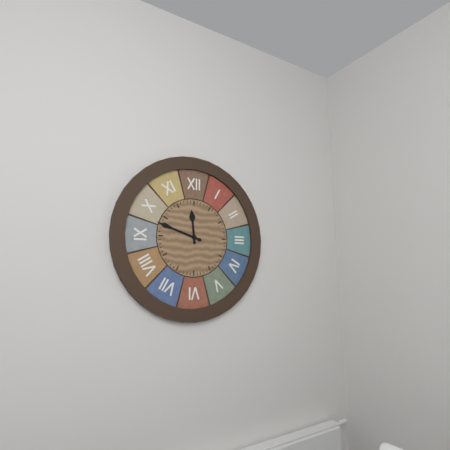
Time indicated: 11:48
